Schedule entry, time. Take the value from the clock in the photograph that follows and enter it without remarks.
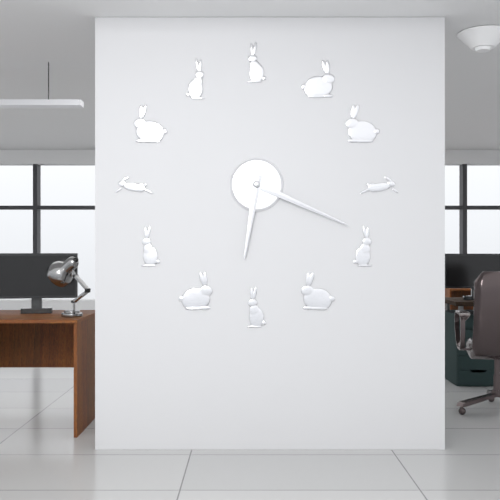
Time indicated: 6:19
